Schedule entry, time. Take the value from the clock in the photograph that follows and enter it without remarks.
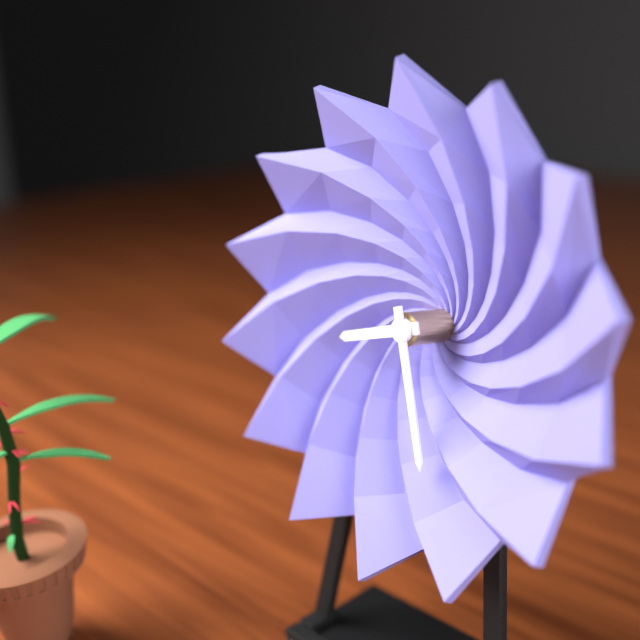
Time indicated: 8:27
